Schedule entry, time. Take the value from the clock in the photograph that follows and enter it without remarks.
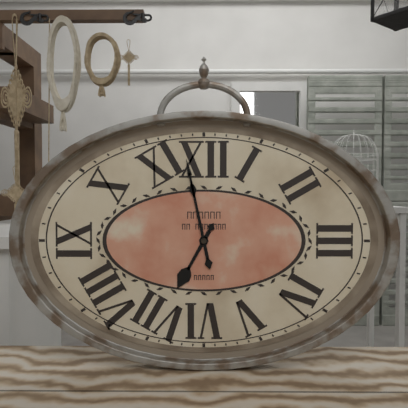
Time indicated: 6:58
